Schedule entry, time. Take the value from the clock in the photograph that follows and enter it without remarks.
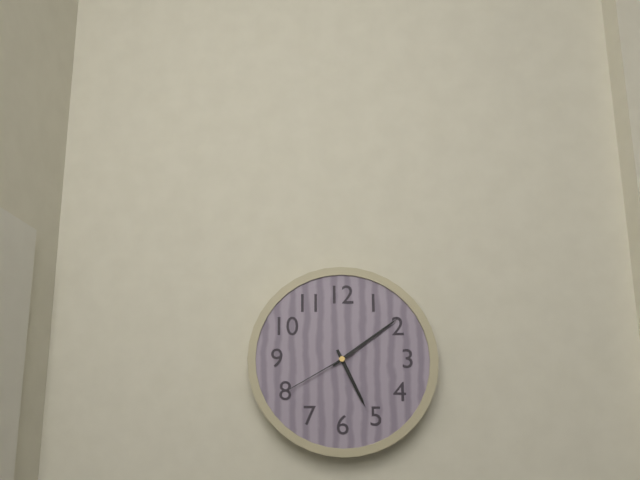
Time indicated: 5:09:40
